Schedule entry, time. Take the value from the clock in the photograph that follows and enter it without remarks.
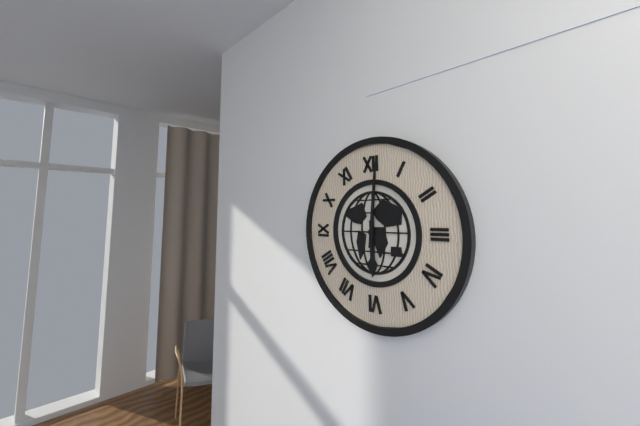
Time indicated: 6:01
